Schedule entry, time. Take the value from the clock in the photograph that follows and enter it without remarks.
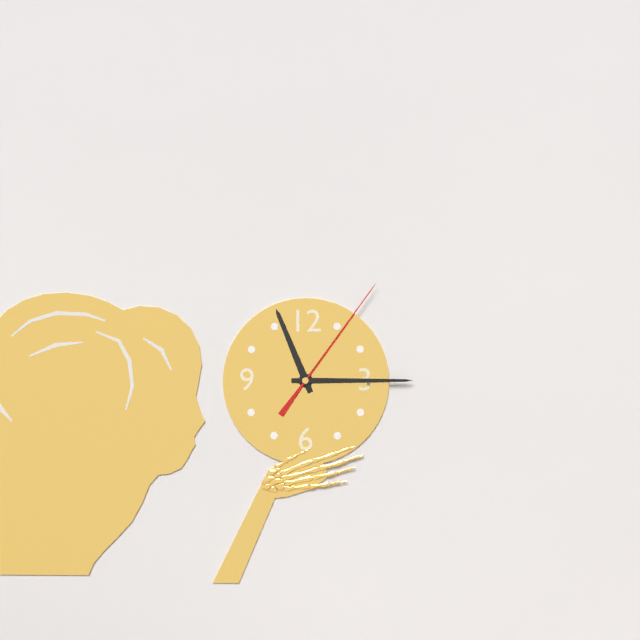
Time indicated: 11:15:06
